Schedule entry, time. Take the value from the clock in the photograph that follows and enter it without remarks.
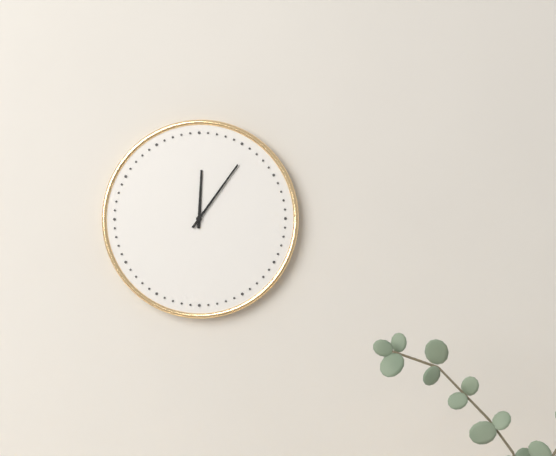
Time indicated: 12:06
